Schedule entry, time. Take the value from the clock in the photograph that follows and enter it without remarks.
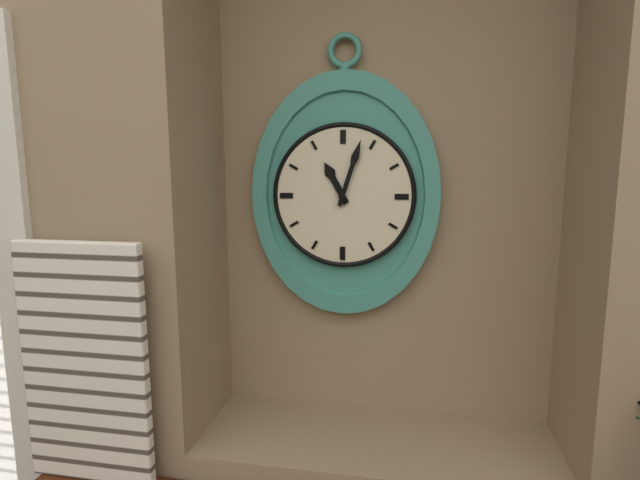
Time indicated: 11:03
